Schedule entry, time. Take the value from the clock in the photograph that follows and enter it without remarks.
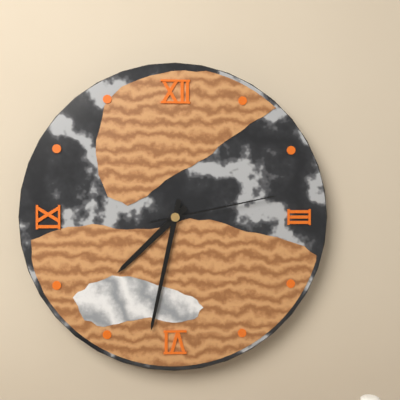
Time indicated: 7:32:13
